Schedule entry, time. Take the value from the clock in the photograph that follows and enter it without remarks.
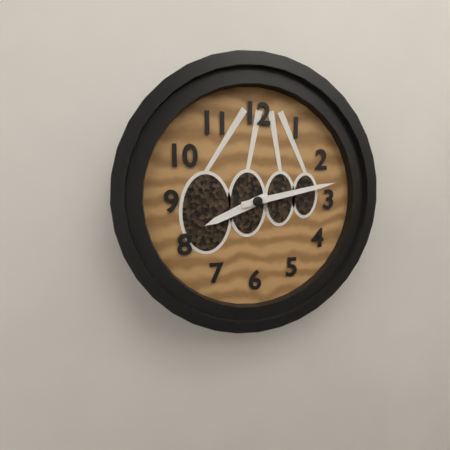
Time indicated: 8:13
